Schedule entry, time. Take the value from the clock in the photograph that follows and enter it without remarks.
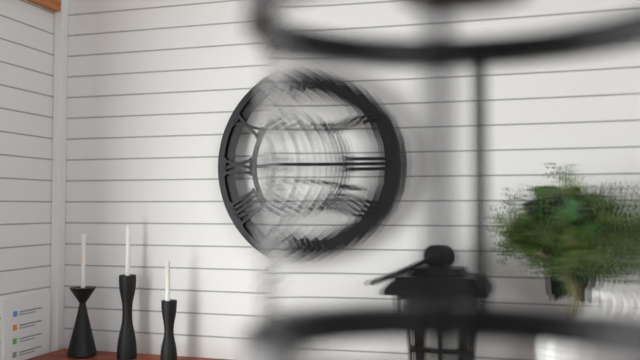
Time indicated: 1:18
